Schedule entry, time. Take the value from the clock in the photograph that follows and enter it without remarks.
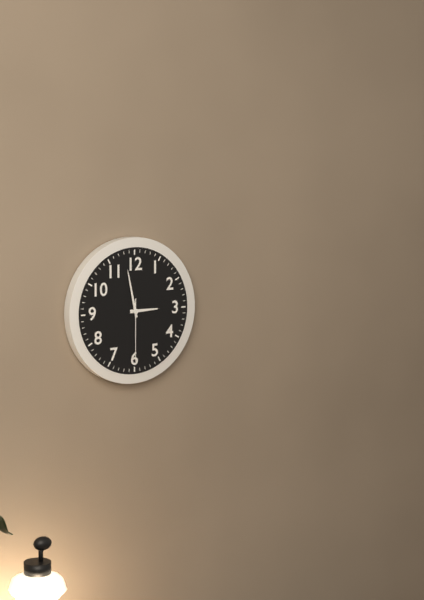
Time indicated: 2:58:30
